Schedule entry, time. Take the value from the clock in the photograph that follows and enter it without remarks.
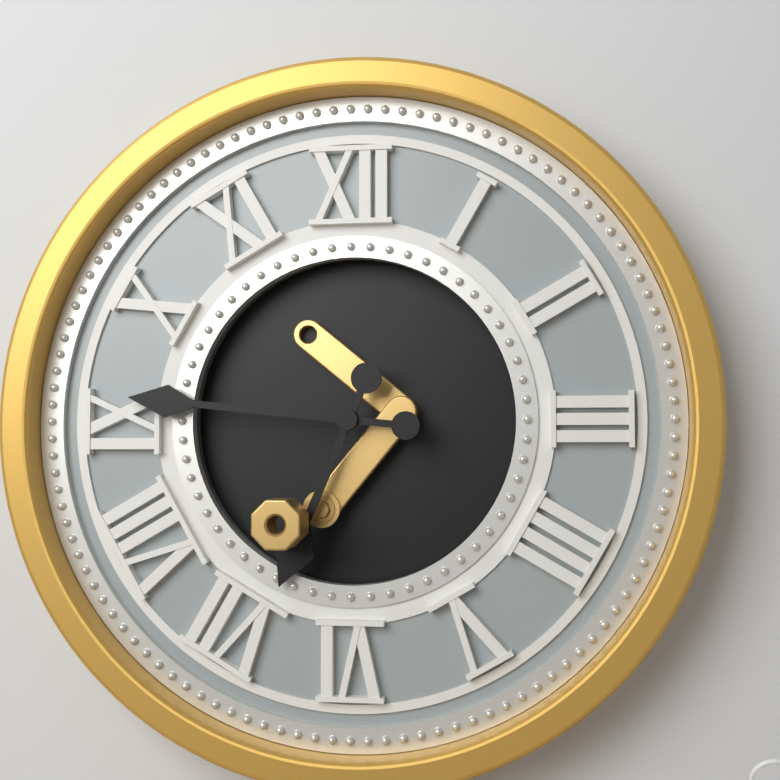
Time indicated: 6:46
